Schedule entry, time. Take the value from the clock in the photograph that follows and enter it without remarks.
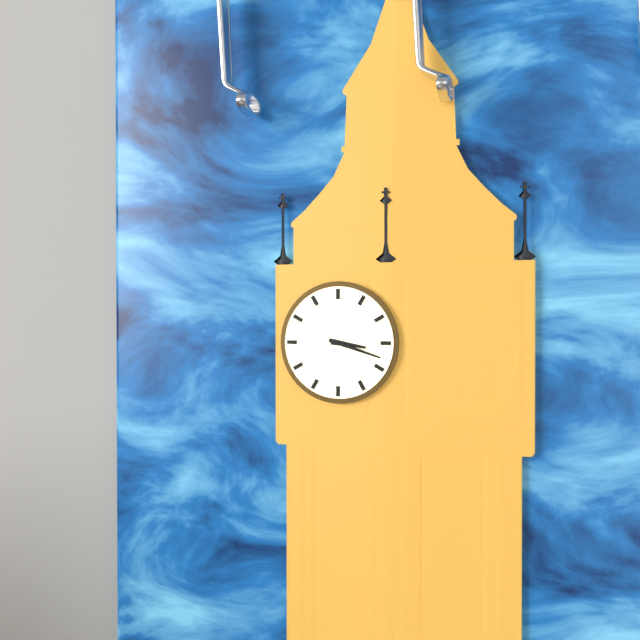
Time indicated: 3:18
